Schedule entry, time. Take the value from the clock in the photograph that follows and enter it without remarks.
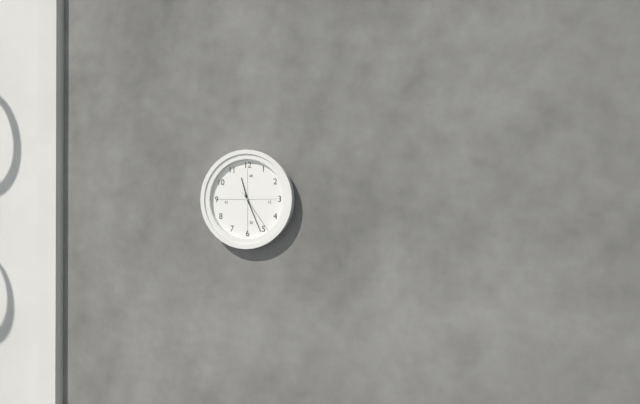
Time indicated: 11:26
